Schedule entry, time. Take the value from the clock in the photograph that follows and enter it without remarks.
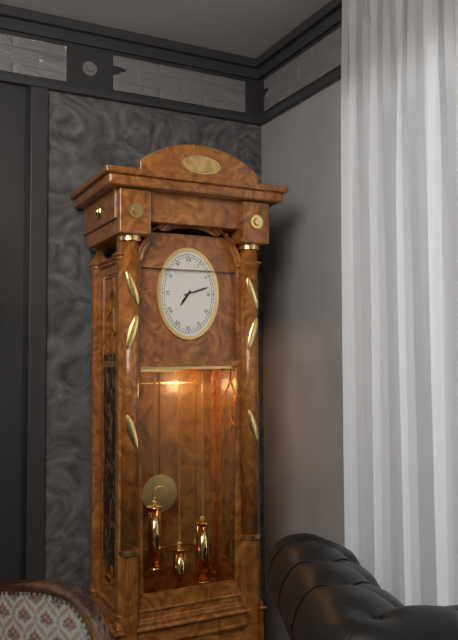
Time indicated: 7:12
